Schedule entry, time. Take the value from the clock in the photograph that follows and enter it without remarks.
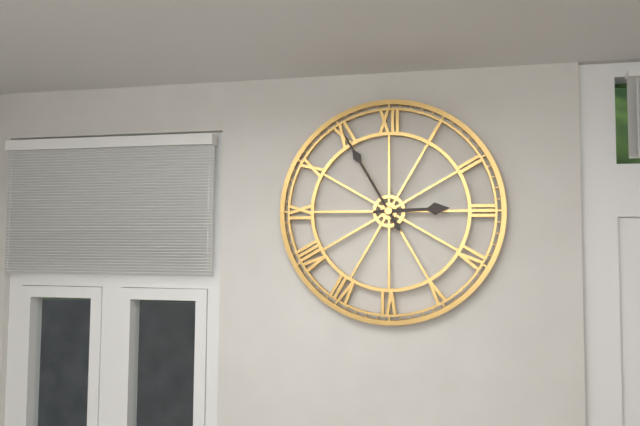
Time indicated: 2:55
